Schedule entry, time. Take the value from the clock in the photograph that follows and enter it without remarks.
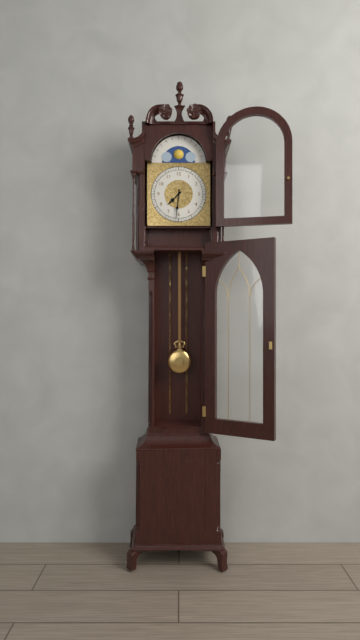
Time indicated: 7:31
